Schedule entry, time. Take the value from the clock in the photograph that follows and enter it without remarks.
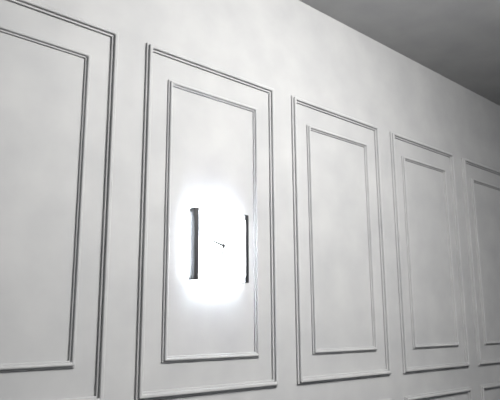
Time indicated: 9:32
